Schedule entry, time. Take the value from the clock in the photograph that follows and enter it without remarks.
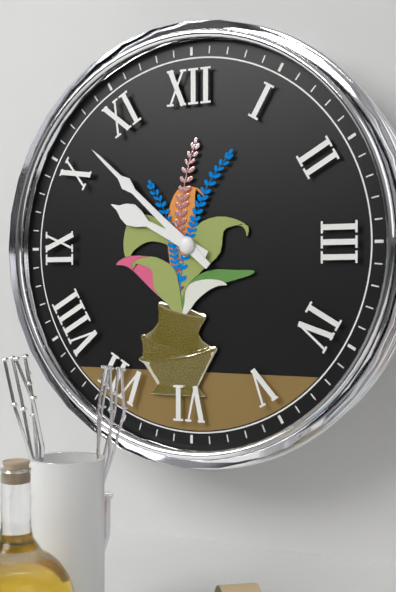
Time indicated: 9:52
